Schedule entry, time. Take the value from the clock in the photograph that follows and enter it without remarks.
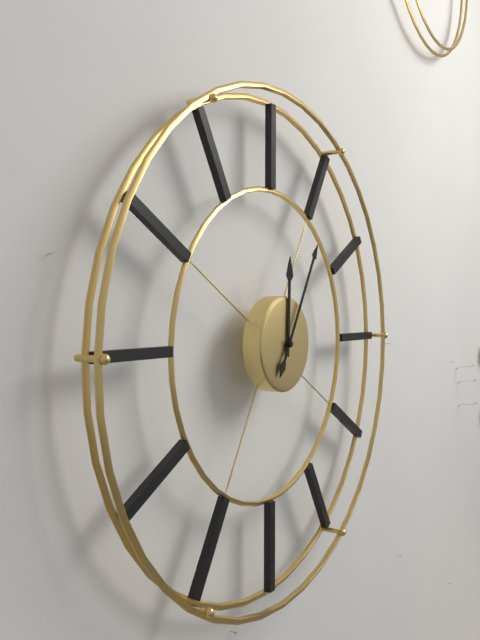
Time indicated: 12:05
